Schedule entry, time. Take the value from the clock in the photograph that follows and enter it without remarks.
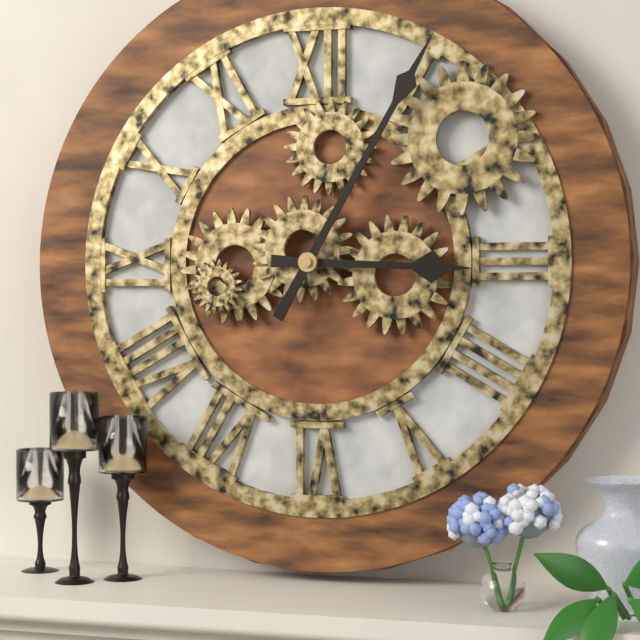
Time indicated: 3:05
